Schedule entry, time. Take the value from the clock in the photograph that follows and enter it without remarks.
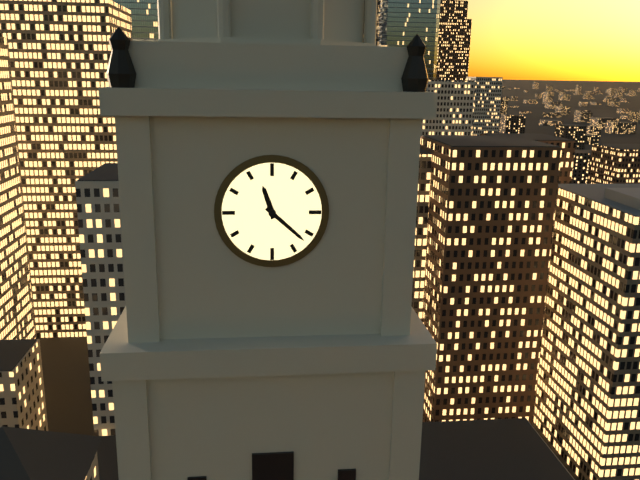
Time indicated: 11:22
